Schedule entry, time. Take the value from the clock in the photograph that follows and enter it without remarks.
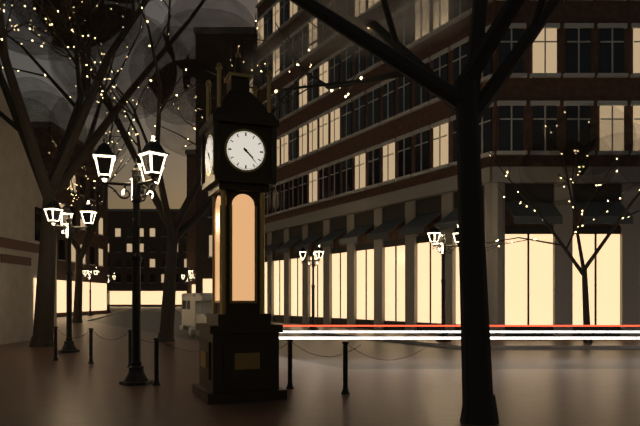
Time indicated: 4:23
